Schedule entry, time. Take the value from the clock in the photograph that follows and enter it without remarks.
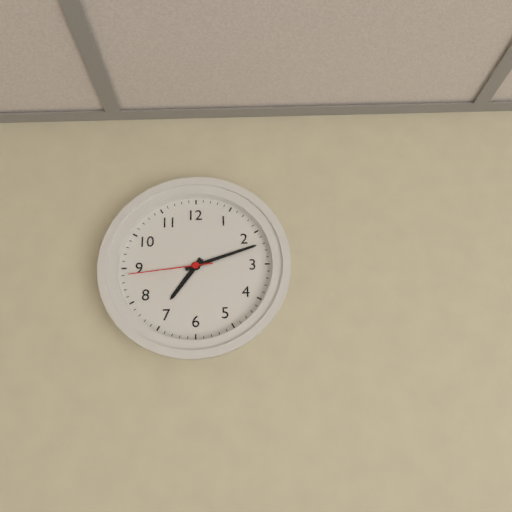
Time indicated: 7:12:44
